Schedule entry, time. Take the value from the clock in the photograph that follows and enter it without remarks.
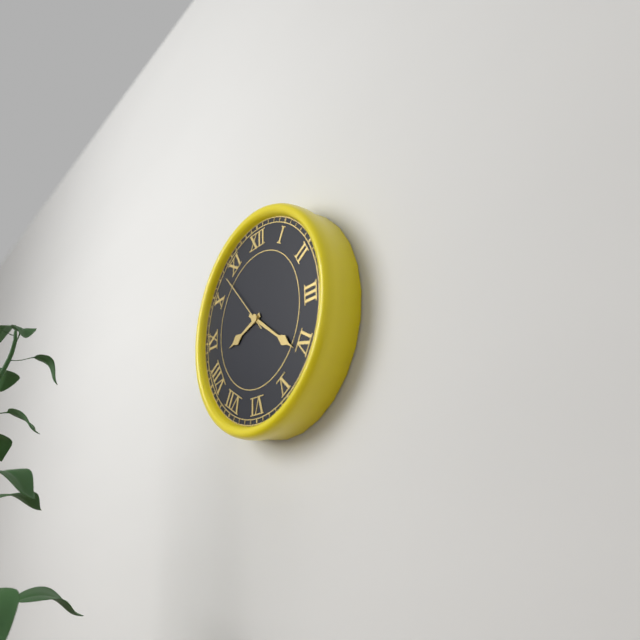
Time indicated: 8:21:53
